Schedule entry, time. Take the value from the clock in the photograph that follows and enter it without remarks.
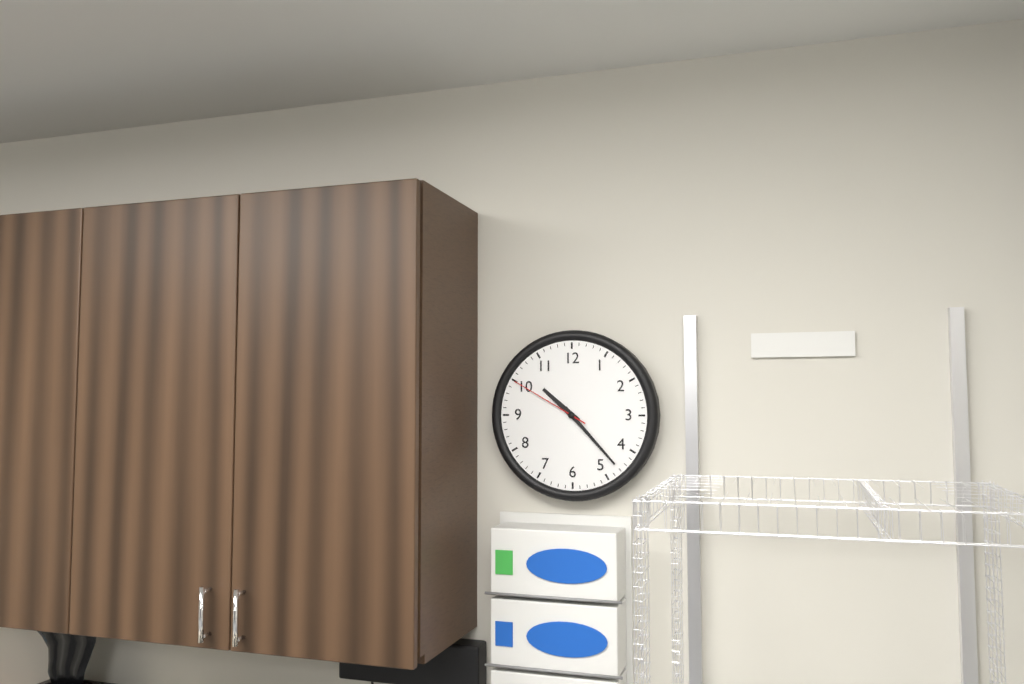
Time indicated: 10:23:50
